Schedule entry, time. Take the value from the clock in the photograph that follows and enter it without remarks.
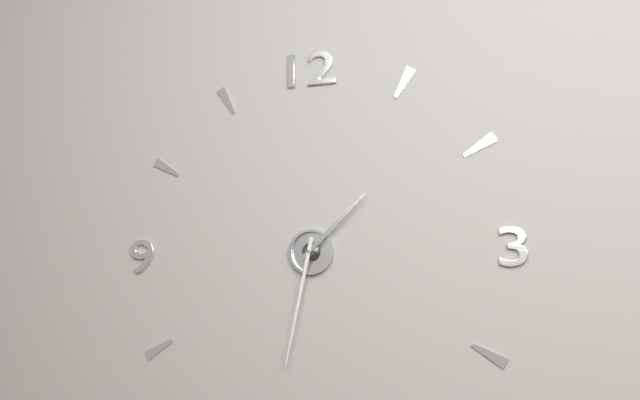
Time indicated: 1:32
